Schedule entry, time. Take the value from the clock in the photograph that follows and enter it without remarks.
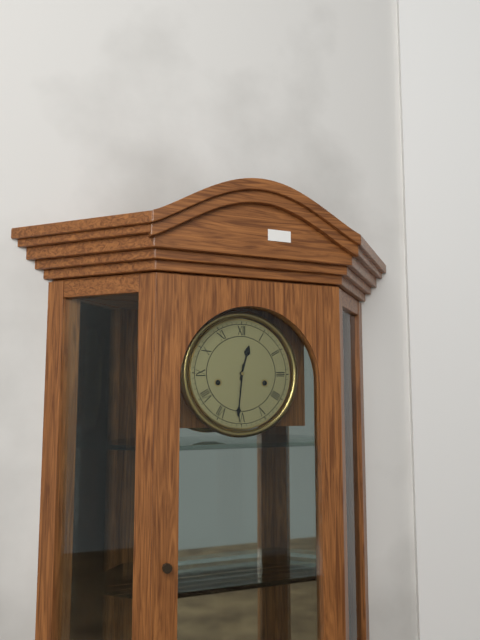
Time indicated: 12:31
